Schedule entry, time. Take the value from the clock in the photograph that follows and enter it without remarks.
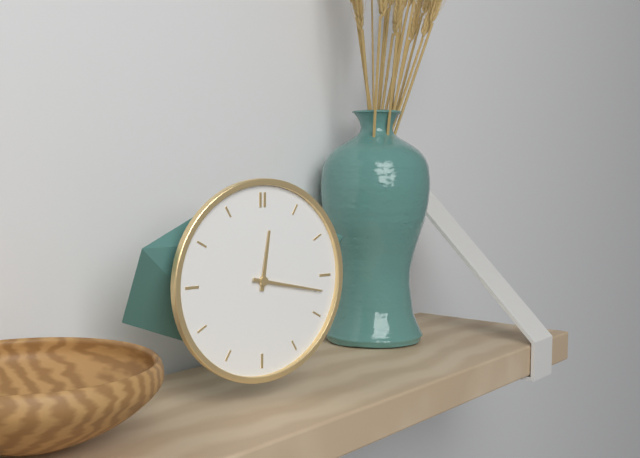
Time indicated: 12:17
